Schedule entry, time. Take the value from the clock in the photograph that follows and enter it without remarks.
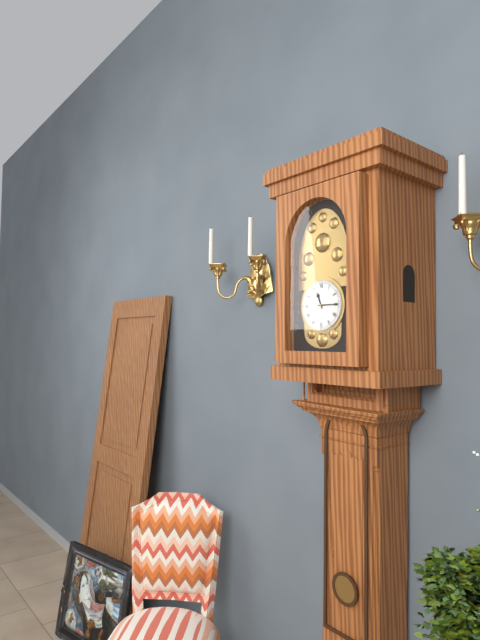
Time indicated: 11:15
